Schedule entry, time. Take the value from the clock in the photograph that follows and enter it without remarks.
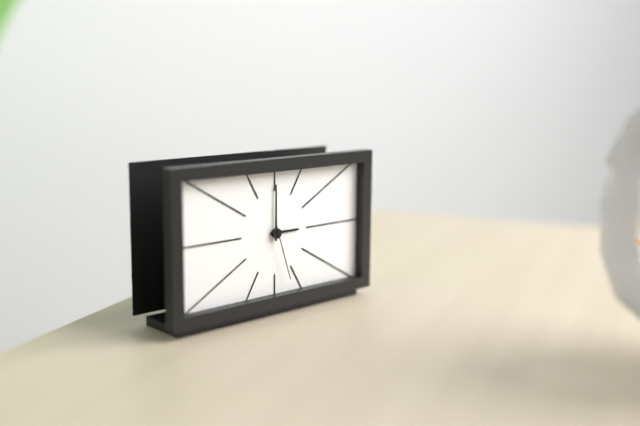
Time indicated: 3:00:27
